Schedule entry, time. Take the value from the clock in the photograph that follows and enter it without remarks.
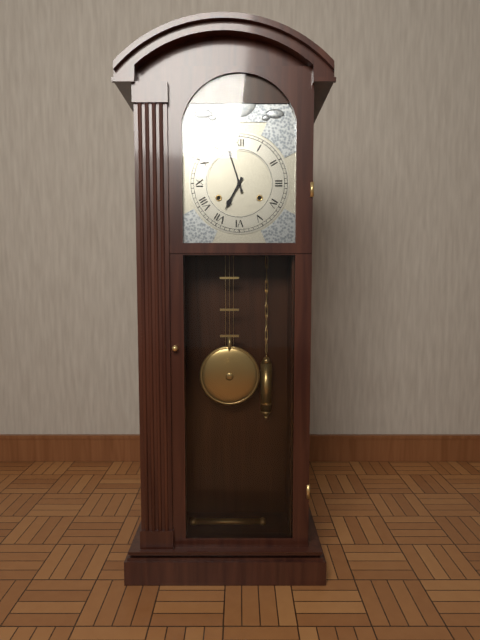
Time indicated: 6:57
